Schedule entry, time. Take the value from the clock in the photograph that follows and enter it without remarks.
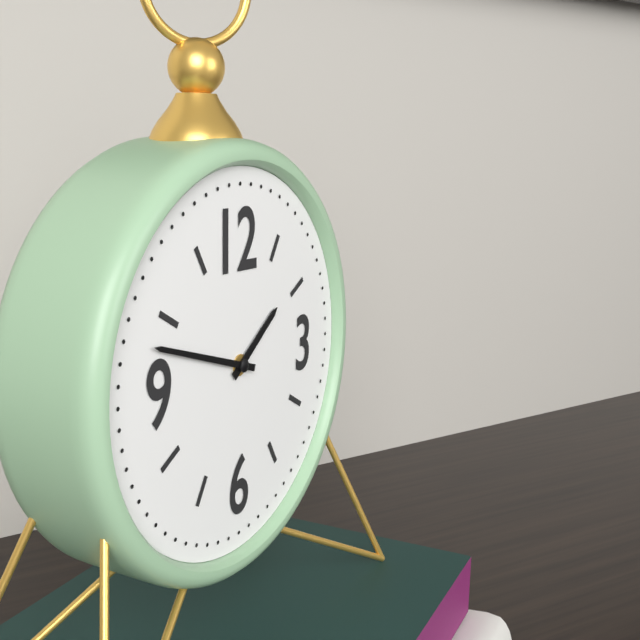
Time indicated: 1:48
